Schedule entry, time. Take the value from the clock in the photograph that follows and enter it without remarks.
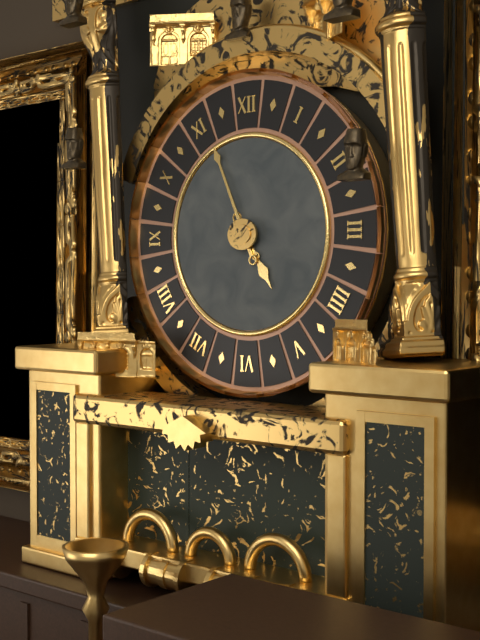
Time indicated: 4:56
